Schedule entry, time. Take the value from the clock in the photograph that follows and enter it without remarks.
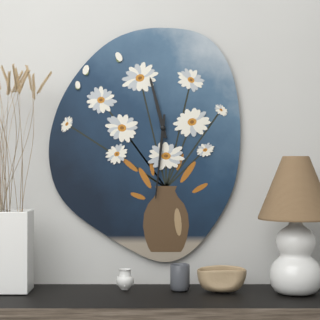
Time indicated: 11:31
